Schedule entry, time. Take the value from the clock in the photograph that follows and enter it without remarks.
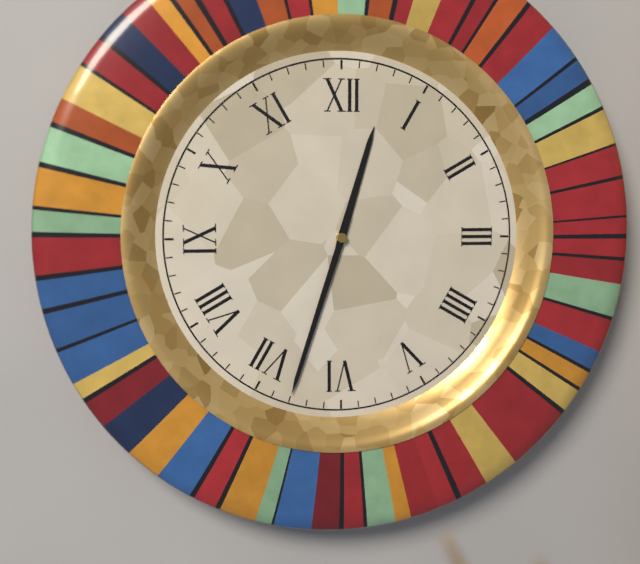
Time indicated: 12:33
